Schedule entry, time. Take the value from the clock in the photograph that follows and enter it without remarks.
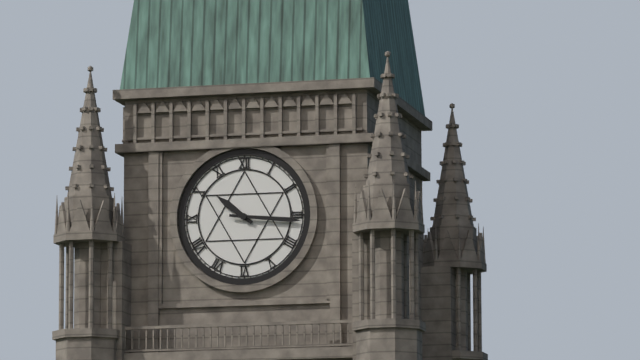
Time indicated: 10:16
